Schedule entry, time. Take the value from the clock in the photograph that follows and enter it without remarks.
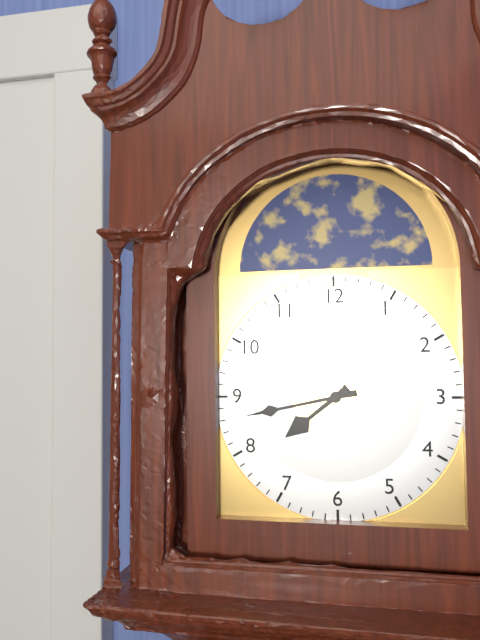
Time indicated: 7:43
